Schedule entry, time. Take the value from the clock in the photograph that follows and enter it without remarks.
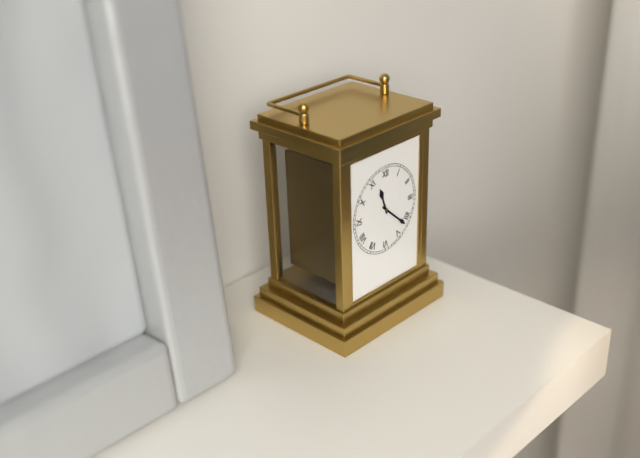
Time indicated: 11:22
